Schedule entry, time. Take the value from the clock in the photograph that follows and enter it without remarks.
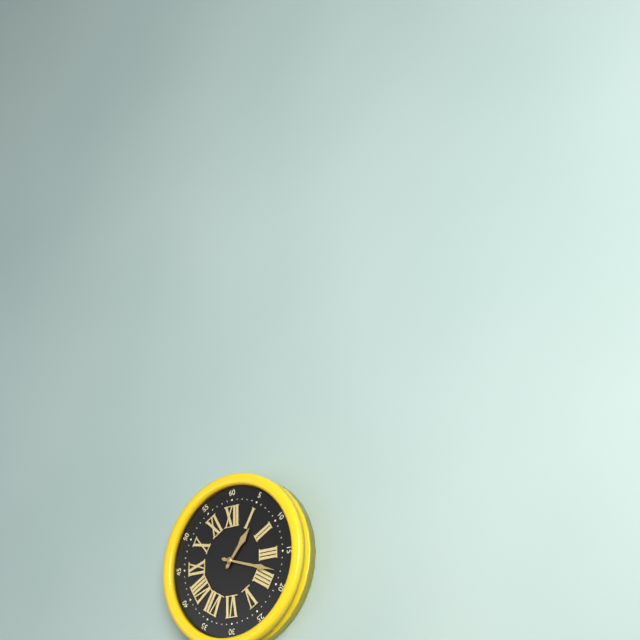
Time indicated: 1:18
